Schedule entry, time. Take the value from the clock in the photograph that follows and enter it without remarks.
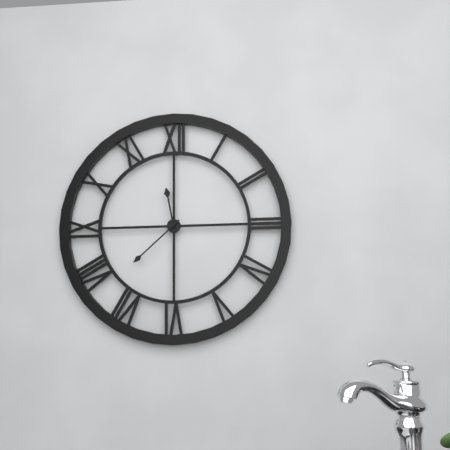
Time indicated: 11:38
